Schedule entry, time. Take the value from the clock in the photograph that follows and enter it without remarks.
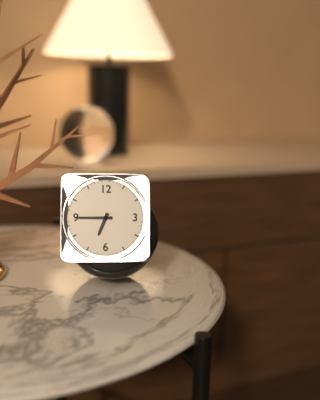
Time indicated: 6:45
